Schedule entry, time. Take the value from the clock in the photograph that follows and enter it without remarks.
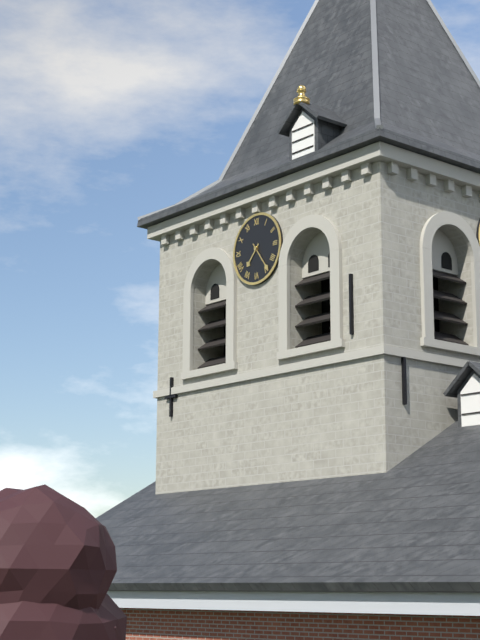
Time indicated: 7:24
